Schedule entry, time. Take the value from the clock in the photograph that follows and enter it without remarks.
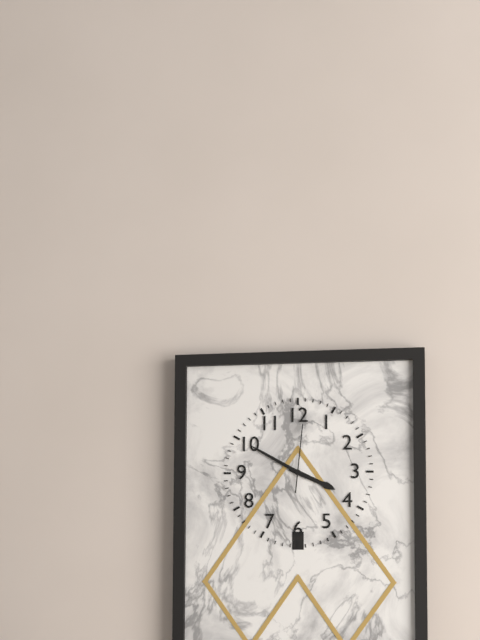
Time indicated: 3:50:01
